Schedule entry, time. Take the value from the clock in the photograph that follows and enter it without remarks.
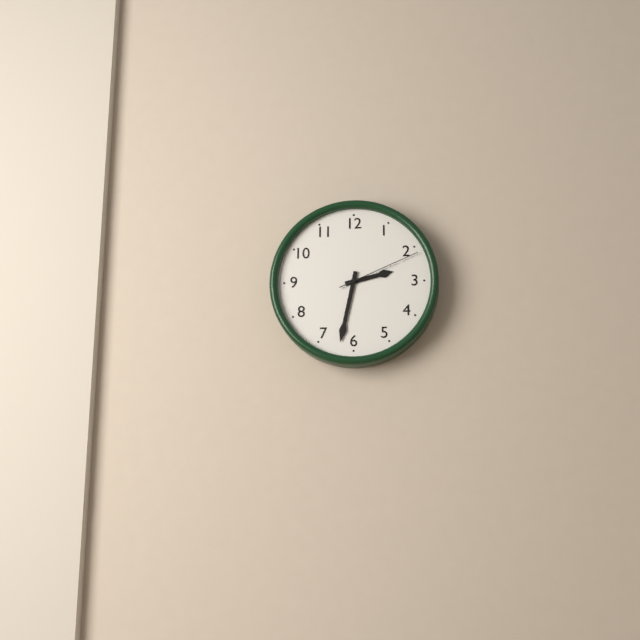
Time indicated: 2:32:11
